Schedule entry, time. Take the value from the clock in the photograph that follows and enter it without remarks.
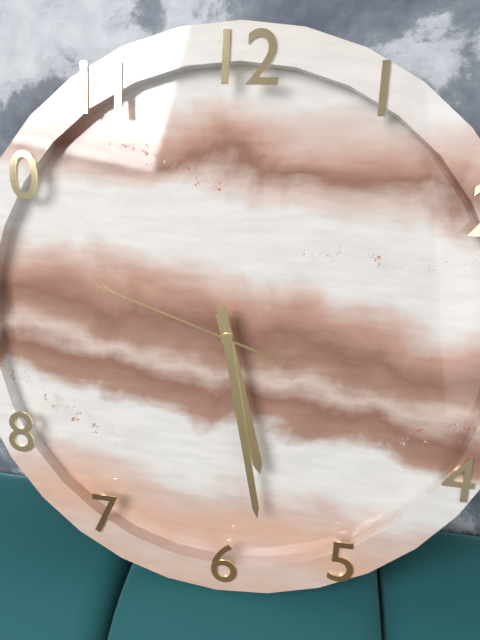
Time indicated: 5:28:48
